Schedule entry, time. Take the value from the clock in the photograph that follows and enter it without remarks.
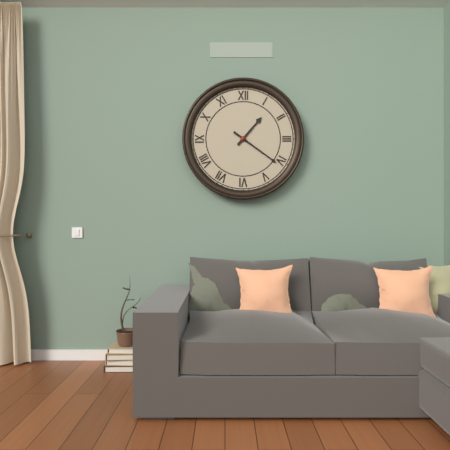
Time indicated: 1:21
